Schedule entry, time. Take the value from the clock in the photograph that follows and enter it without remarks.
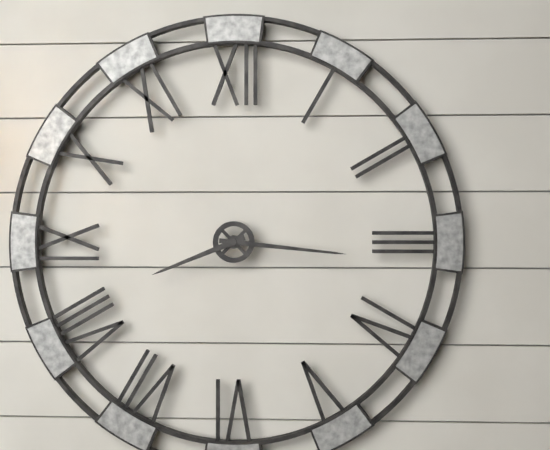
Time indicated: 8:16
